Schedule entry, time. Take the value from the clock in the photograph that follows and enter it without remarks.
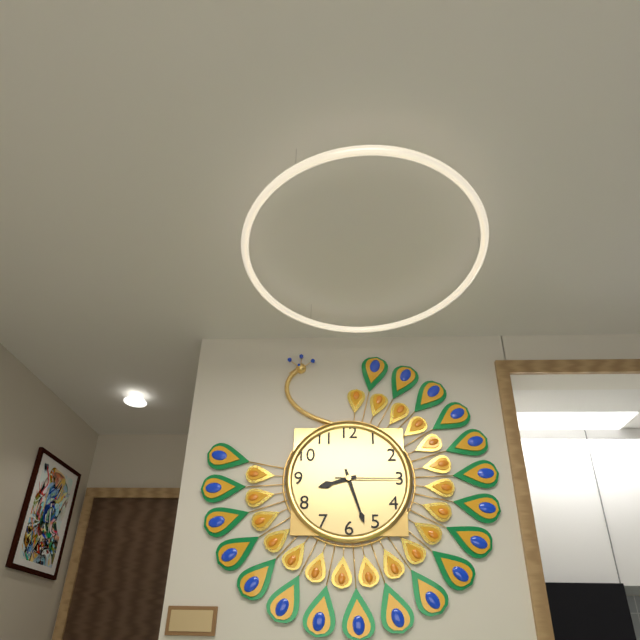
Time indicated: 8:27:15
